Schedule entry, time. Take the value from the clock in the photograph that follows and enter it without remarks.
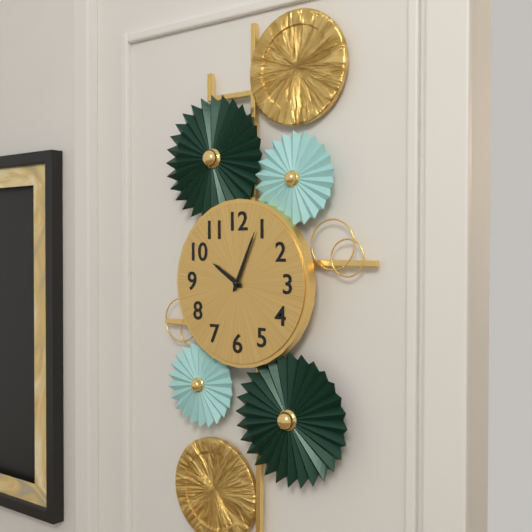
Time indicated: 10:04
